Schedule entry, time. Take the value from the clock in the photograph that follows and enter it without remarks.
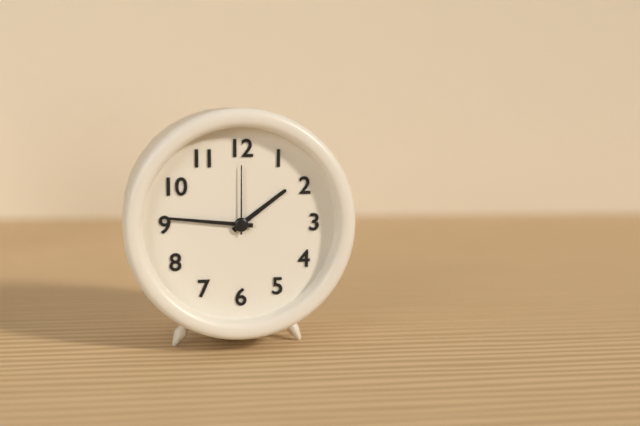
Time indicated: 1:46:00
